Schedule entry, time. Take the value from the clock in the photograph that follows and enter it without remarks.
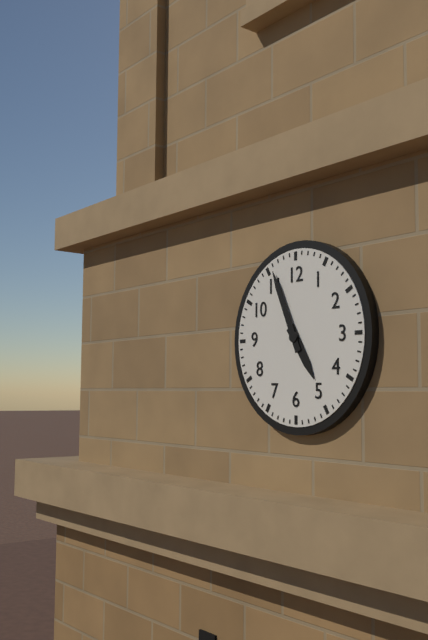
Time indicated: 4:56
